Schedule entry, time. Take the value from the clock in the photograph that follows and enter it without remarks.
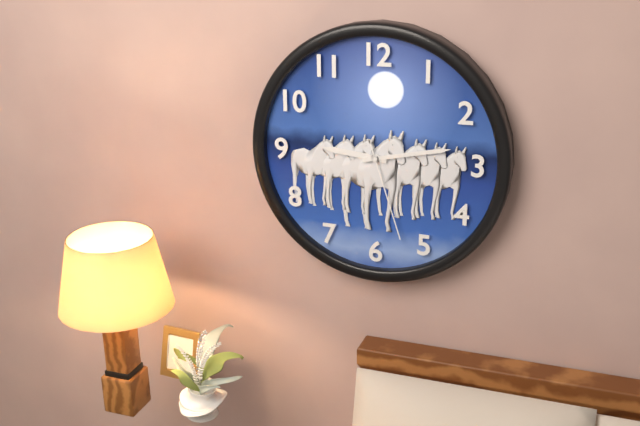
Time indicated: 9:13:27
